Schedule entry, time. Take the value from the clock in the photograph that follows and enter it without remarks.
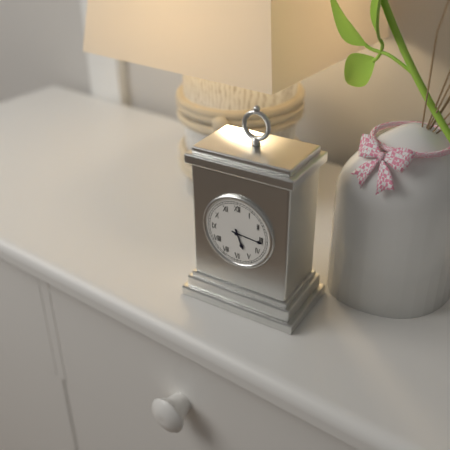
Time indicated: 5:16
